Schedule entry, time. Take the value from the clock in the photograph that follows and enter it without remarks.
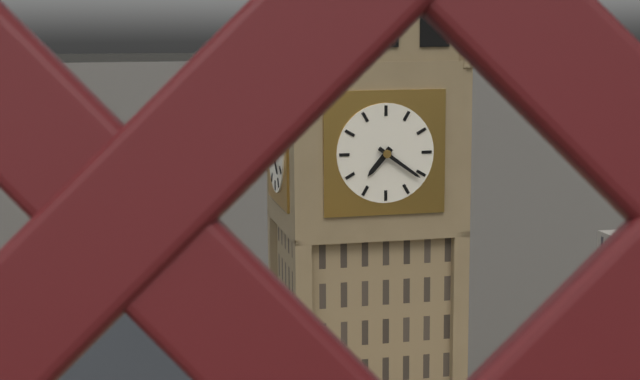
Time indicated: 7:21
